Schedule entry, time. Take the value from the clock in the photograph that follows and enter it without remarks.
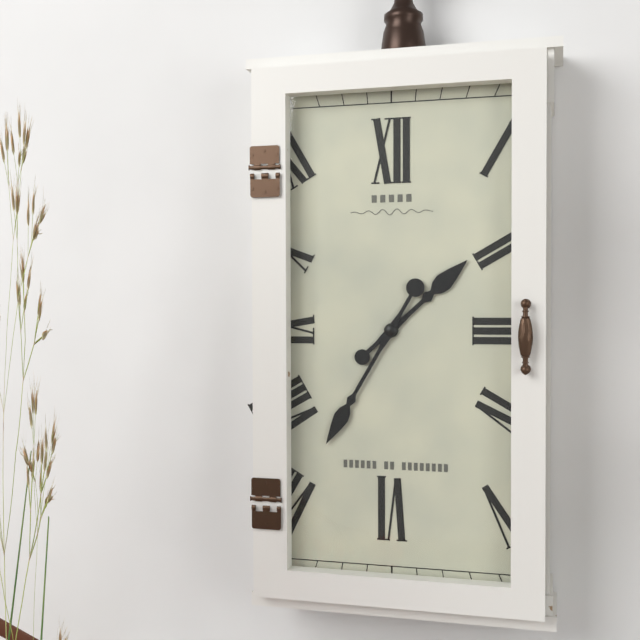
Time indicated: 1:35
